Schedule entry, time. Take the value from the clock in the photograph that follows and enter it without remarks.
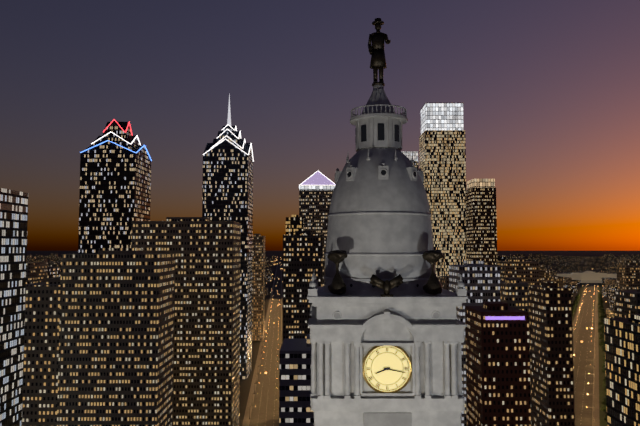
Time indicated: 8:17
